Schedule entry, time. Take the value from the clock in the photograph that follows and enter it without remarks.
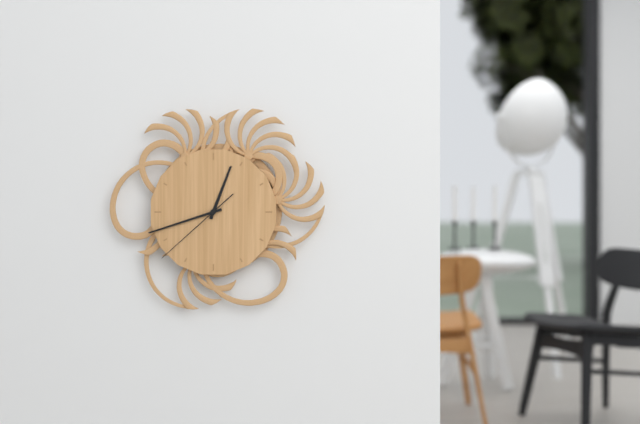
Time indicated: 12:42:38
